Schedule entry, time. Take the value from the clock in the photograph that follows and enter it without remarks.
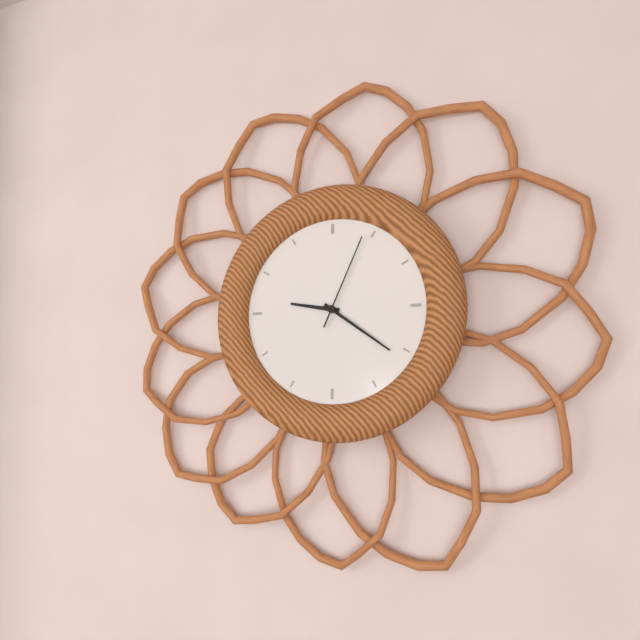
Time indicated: 9:21:04
